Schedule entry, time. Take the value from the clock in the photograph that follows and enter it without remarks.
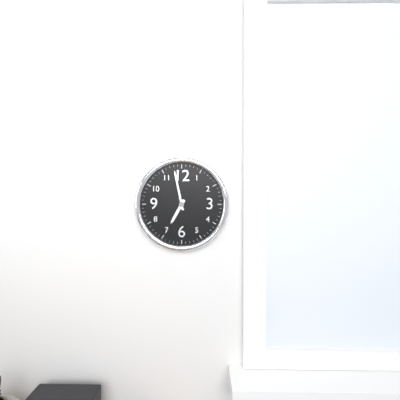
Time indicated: 6:58
